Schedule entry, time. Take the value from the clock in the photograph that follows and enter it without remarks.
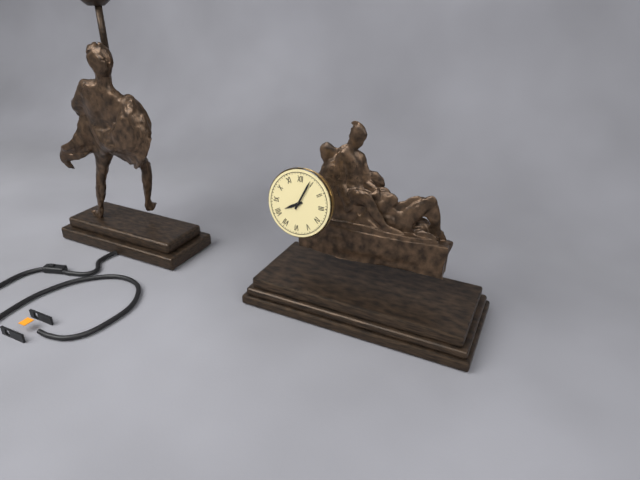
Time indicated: 8:04
